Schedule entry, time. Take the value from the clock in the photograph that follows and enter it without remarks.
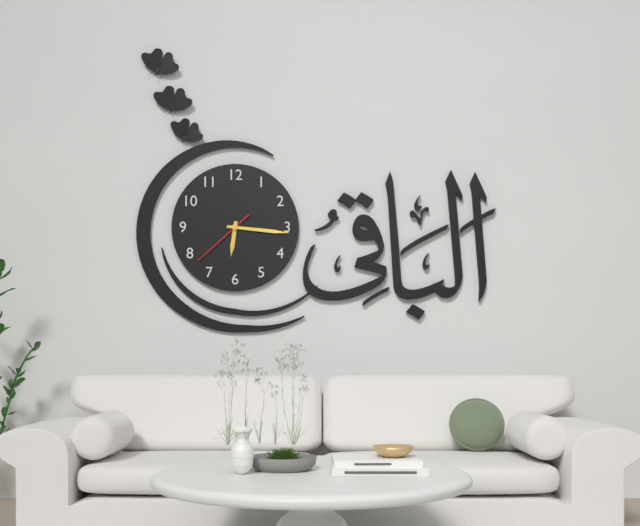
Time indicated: 6:16:38
